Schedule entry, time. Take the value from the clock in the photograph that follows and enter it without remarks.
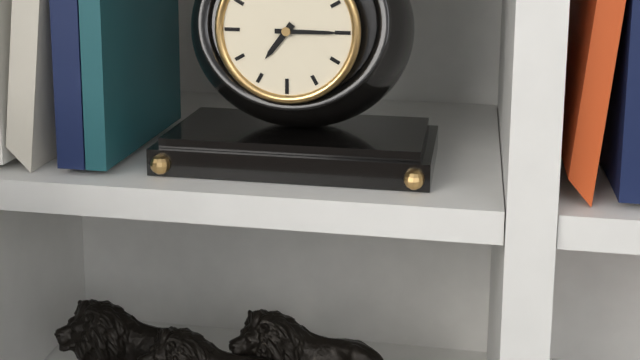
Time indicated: 7:15
